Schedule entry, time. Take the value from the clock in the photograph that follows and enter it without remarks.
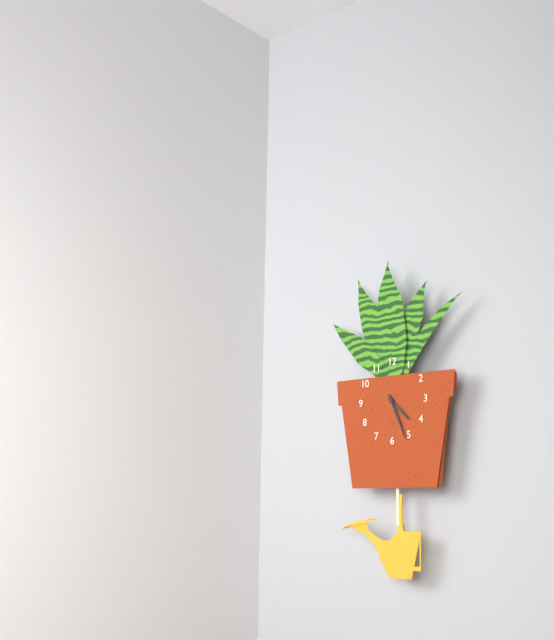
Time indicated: 4:26
